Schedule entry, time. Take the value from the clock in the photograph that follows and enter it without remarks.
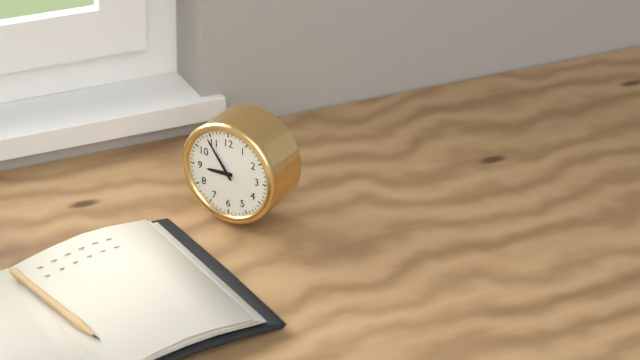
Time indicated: 8:54
